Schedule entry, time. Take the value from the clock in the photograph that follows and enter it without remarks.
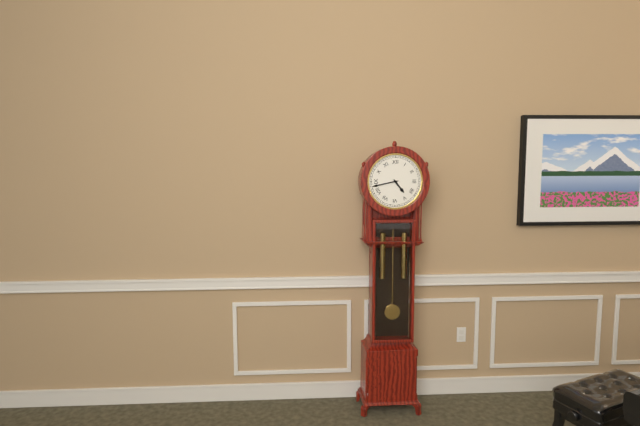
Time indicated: 4:43
